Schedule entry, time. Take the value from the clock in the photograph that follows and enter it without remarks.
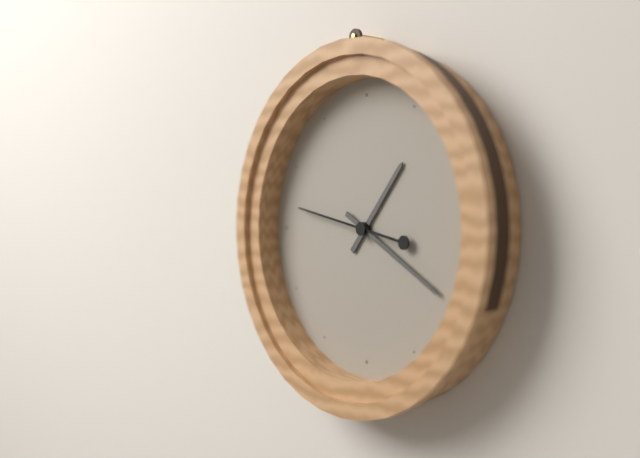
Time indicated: 1:20:47
